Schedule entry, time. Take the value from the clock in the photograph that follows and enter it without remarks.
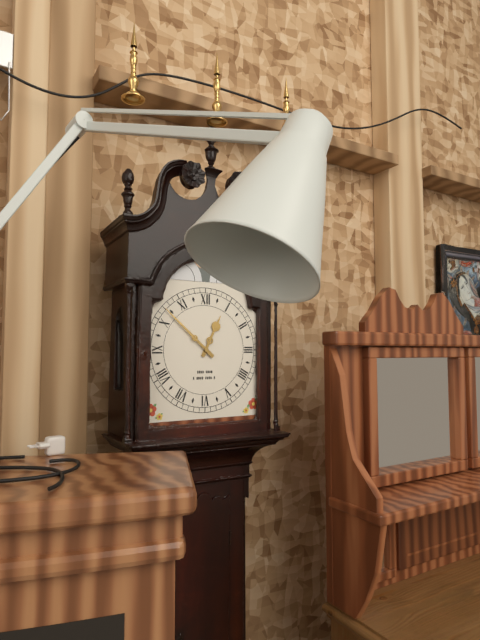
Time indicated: 12:52
